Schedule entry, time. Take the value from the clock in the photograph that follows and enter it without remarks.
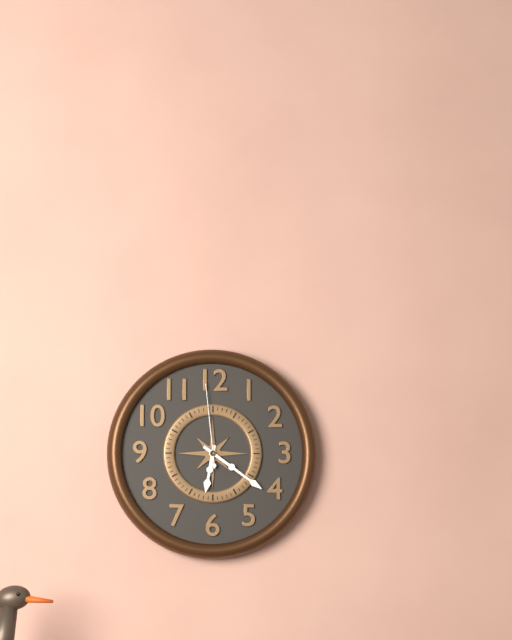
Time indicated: 6:21:59
